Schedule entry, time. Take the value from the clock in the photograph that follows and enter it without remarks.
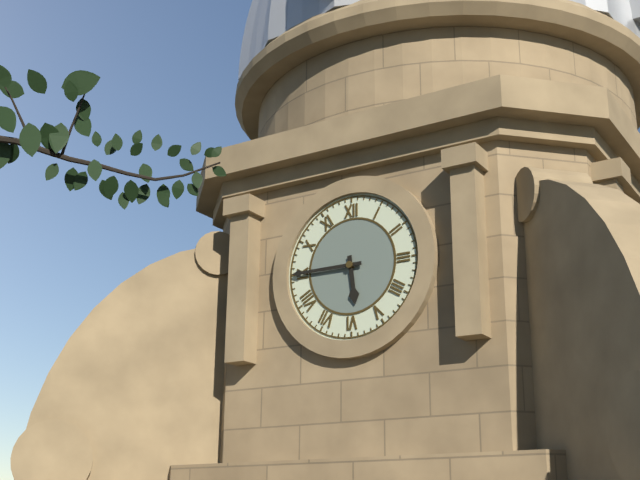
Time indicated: 5:45
